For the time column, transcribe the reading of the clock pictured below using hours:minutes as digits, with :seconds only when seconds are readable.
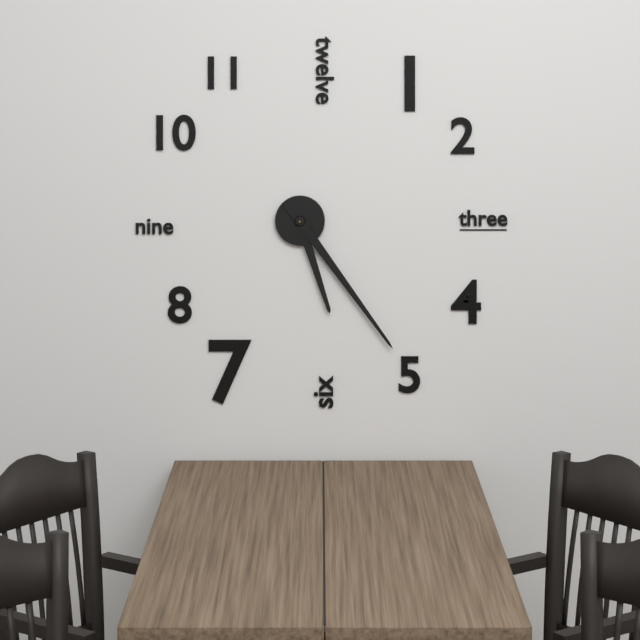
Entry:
5:24
